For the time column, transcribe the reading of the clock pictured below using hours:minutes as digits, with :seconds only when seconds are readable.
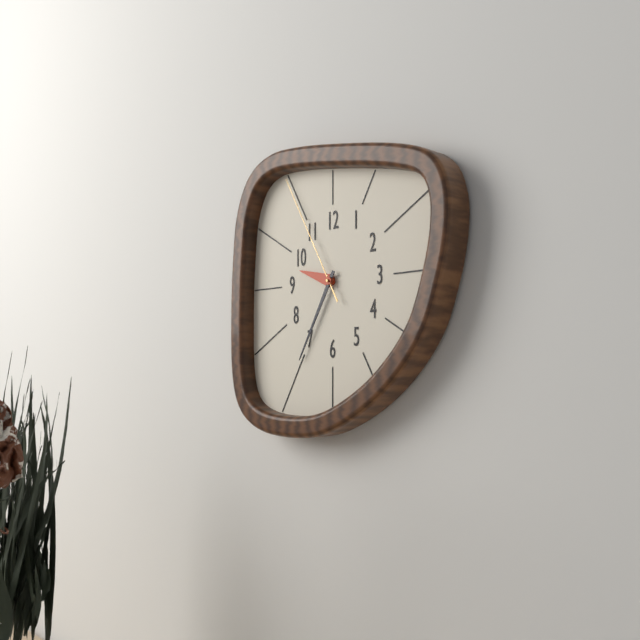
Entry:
9:35:55
